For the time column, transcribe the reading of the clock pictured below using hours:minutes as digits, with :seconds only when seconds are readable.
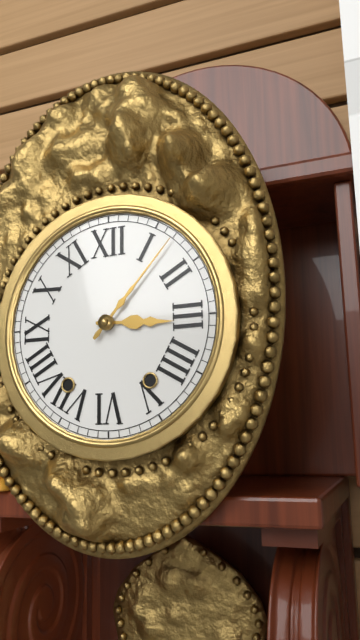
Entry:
3:07
